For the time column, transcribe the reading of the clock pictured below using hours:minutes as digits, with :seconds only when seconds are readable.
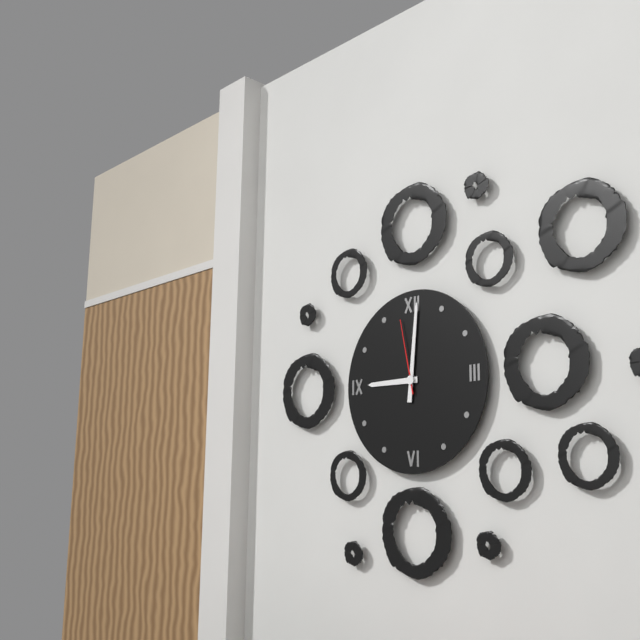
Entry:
9:01:58
